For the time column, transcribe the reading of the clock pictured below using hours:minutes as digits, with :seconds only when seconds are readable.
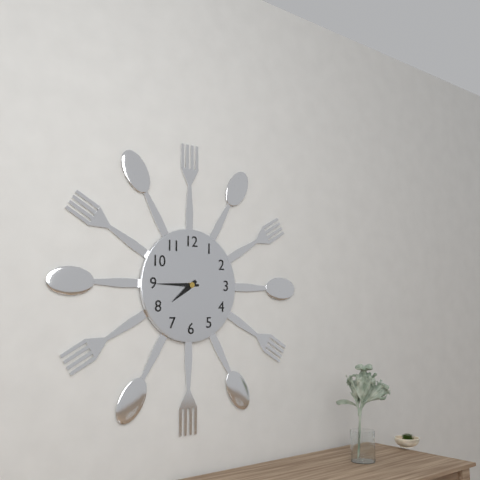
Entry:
7:45
